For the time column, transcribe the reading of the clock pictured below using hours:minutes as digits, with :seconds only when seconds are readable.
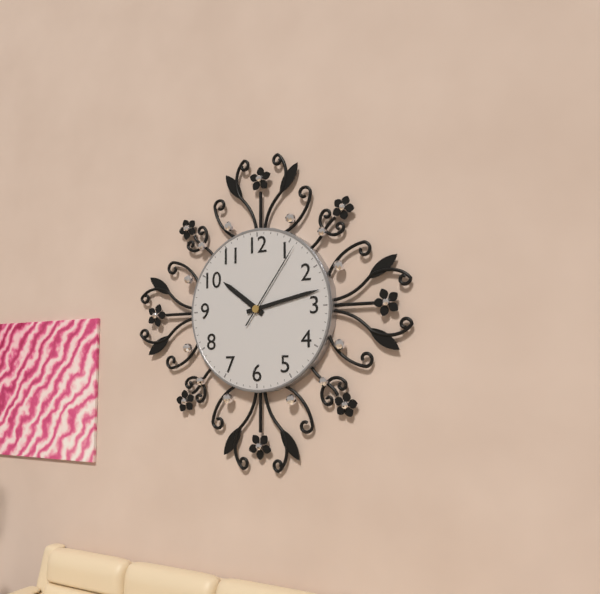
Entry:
10:13:06
